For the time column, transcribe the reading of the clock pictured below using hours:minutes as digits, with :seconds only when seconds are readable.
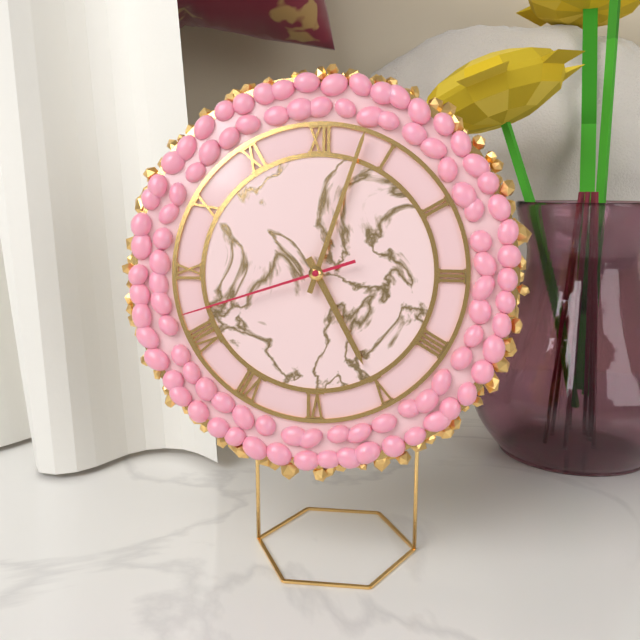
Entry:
5:03:42
